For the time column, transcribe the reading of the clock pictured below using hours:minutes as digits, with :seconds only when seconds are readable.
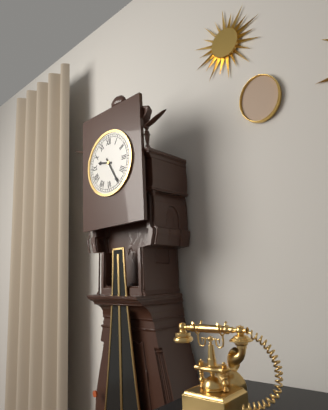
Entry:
9:25
